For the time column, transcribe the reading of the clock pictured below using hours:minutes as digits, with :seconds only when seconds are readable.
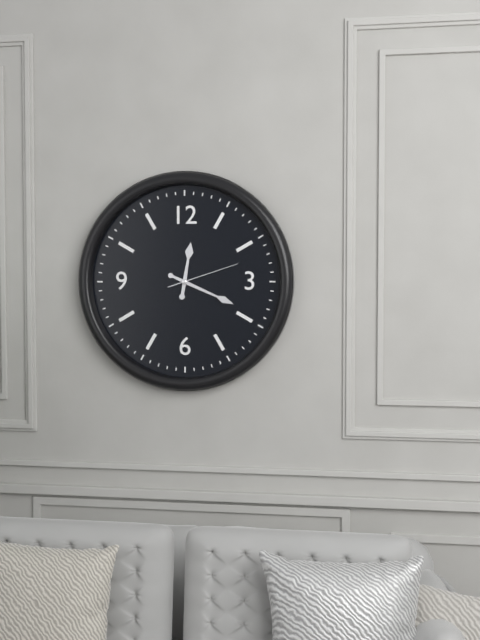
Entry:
12:19:12
